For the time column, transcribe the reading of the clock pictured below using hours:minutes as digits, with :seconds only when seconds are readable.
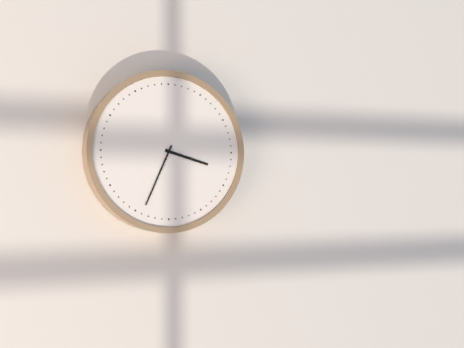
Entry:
3:34
